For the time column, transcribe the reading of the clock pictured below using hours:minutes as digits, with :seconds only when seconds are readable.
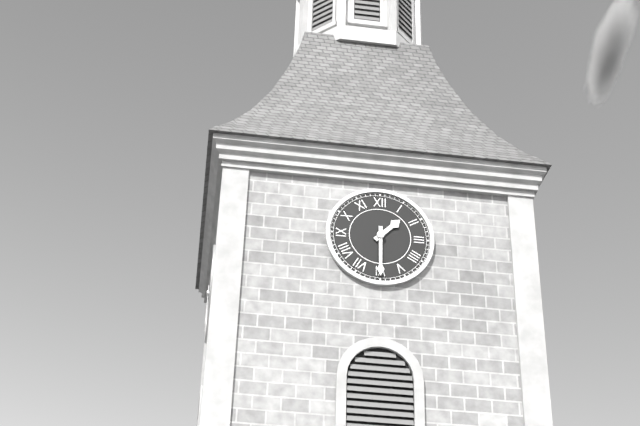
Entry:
1:30
